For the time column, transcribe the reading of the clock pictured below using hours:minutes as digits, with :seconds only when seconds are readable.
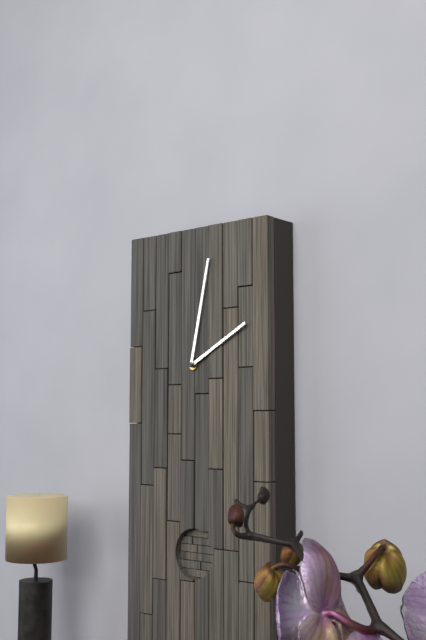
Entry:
2:02
